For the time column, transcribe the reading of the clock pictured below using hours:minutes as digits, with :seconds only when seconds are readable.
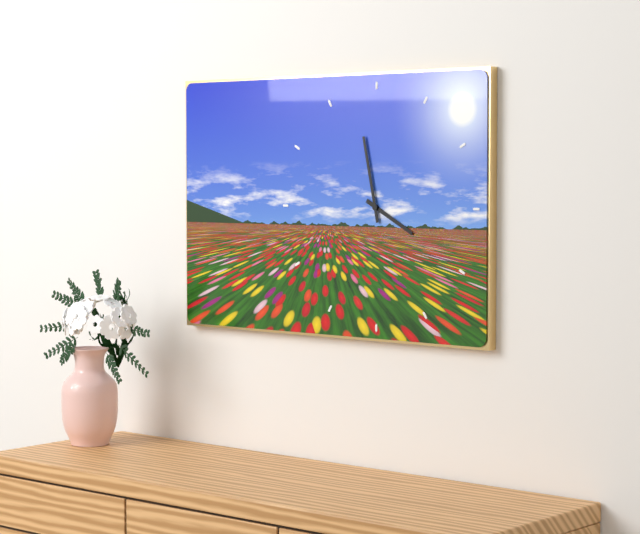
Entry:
3:58
